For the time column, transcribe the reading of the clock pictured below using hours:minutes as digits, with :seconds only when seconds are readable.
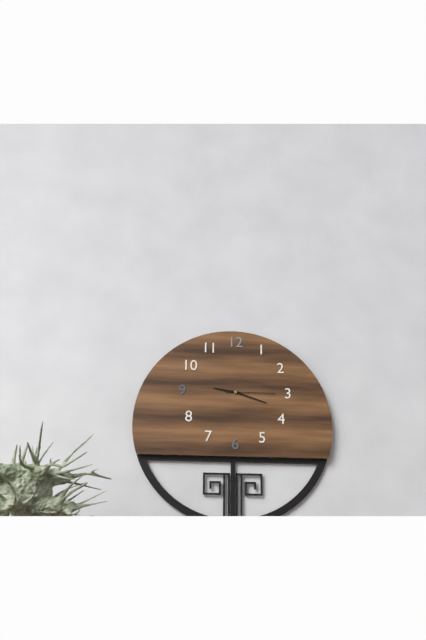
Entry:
9:18:15
